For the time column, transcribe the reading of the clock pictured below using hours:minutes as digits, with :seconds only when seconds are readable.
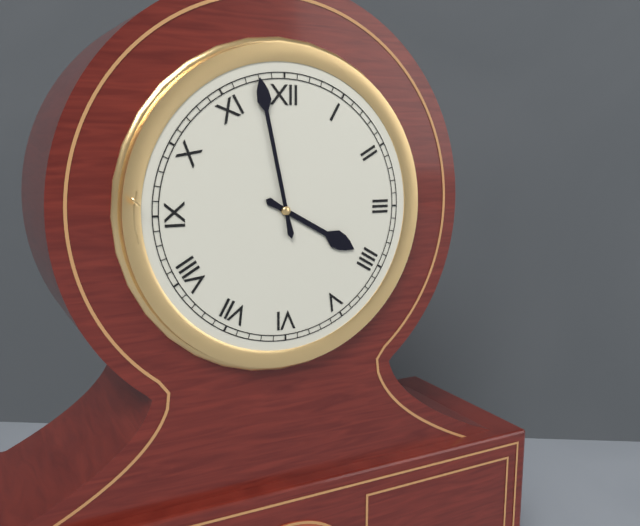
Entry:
3:58
